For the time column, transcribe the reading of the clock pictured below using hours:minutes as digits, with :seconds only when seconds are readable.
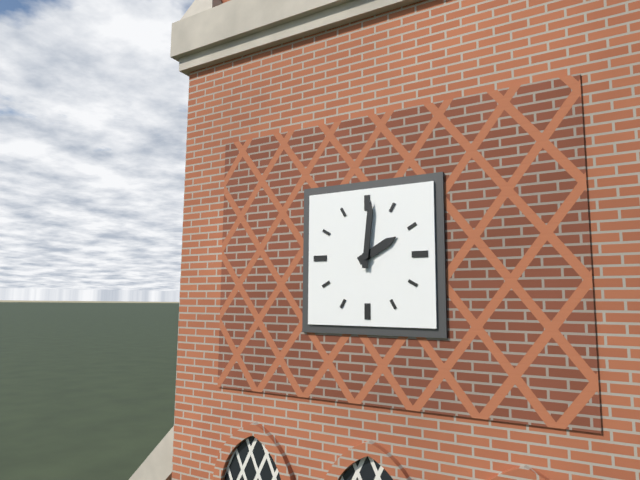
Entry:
2:01
